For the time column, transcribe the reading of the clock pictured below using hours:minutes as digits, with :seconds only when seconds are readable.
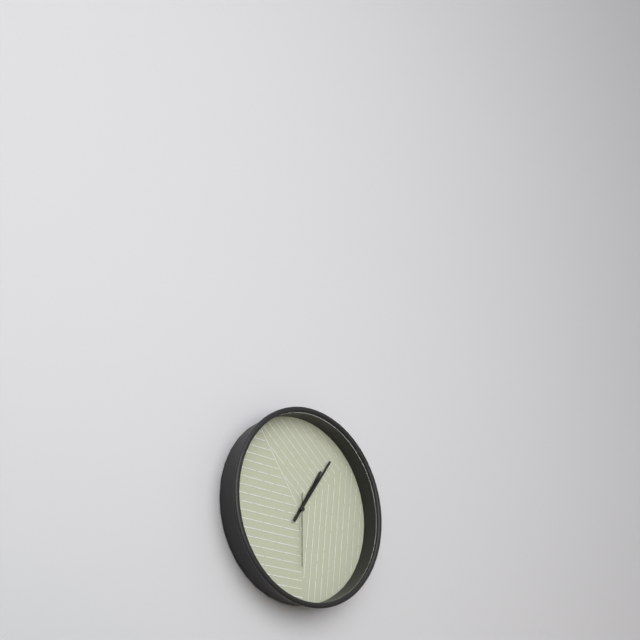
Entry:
1:06:30
